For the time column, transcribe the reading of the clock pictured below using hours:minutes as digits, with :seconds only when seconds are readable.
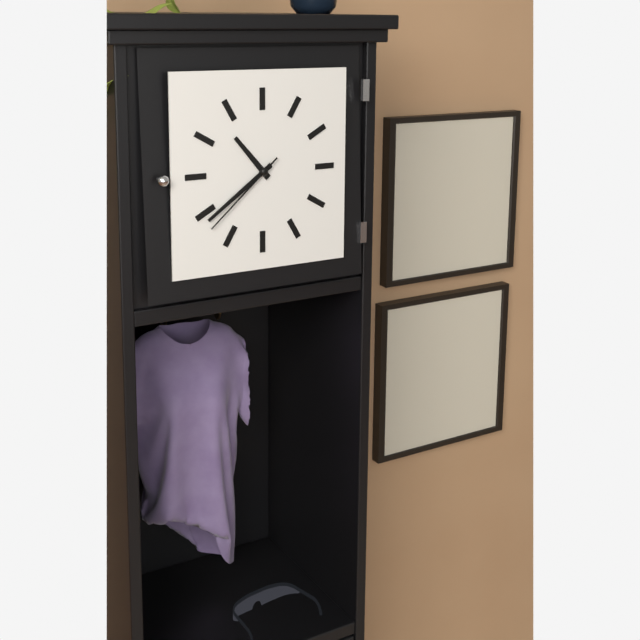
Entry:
10:39:38
